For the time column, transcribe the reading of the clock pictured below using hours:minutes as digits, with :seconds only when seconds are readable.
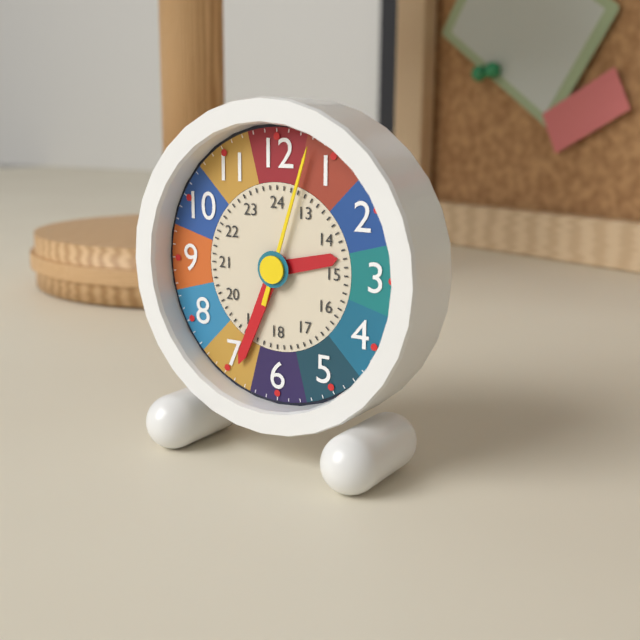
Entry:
2:34:03
